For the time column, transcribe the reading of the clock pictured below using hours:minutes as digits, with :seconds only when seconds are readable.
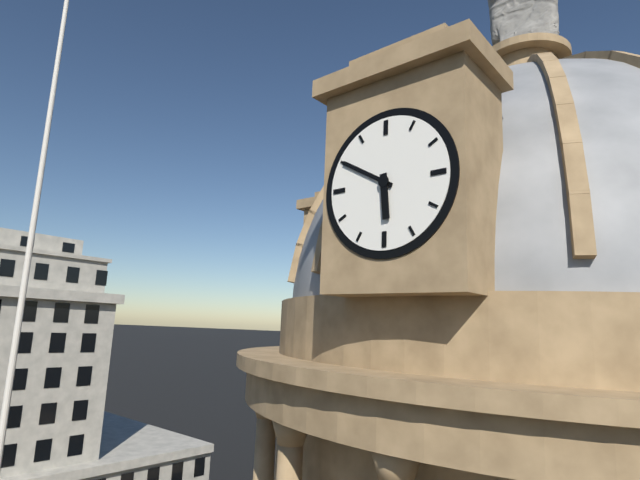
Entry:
5:50
